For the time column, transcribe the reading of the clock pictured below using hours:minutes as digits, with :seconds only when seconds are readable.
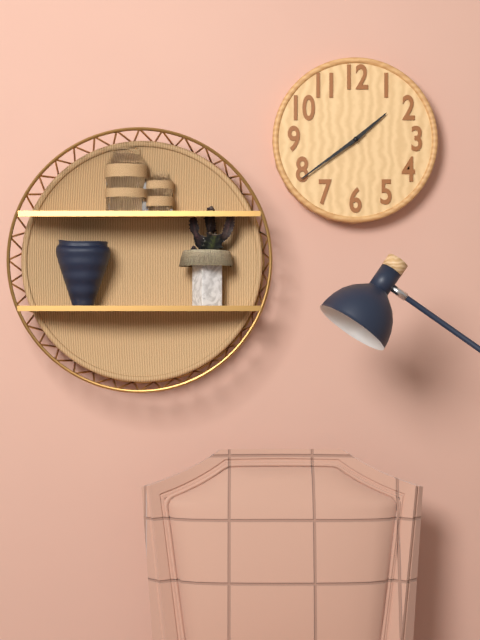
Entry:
1:39
